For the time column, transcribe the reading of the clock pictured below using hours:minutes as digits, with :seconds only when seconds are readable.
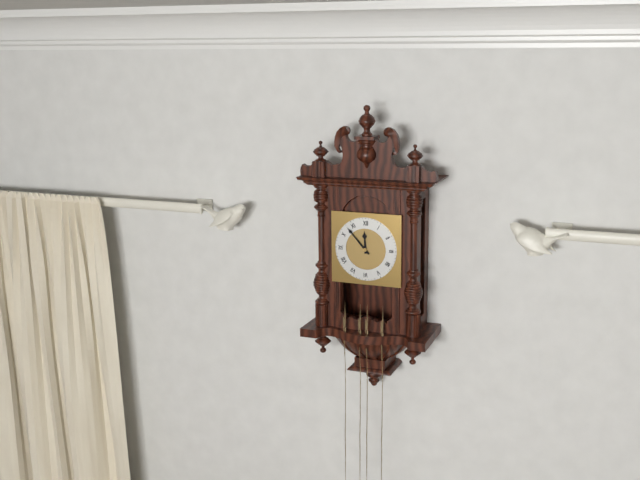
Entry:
11:53
